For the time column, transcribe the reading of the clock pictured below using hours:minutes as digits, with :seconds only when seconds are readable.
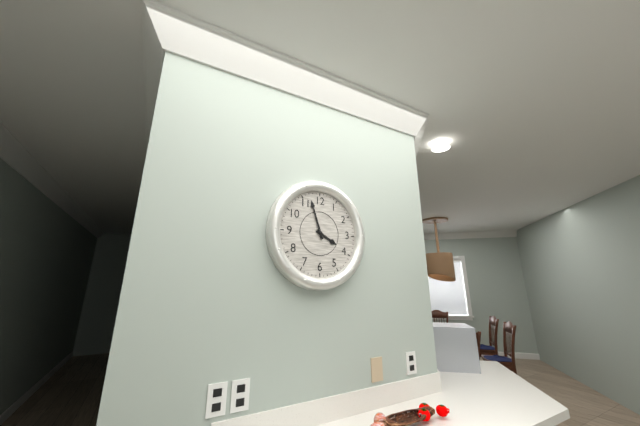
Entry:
3:57
